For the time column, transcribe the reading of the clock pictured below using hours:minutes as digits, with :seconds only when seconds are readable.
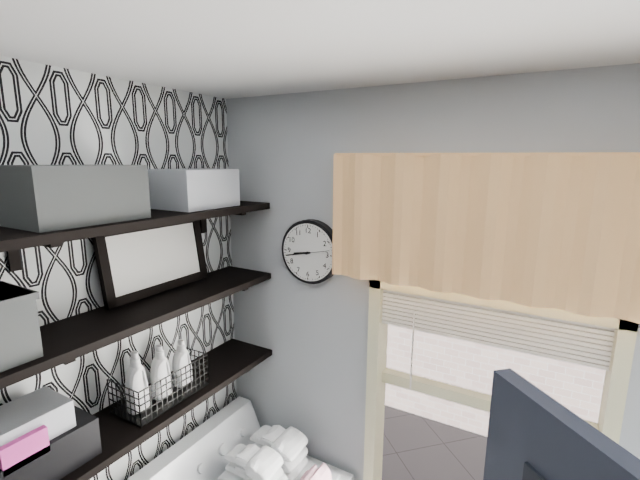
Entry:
8:43
